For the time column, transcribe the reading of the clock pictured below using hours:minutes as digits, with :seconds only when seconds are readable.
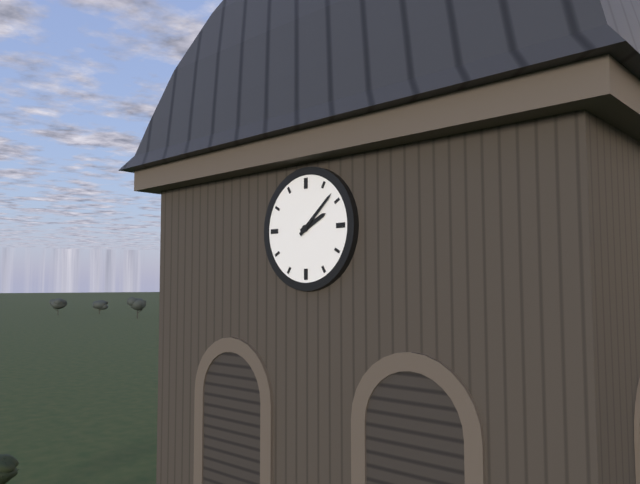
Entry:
2:08
